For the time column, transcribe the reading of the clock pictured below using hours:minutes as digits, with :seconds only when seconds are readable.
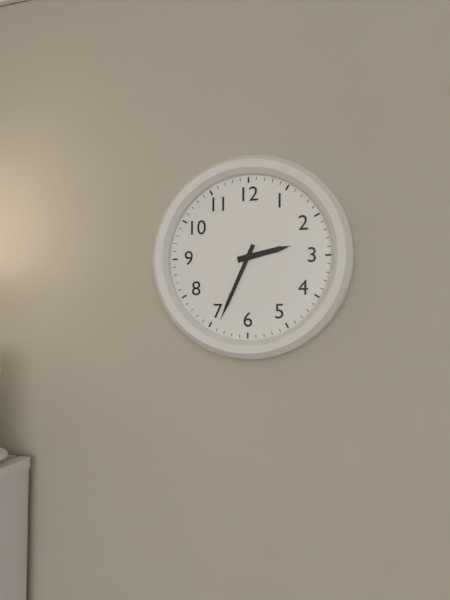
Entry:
2:34
